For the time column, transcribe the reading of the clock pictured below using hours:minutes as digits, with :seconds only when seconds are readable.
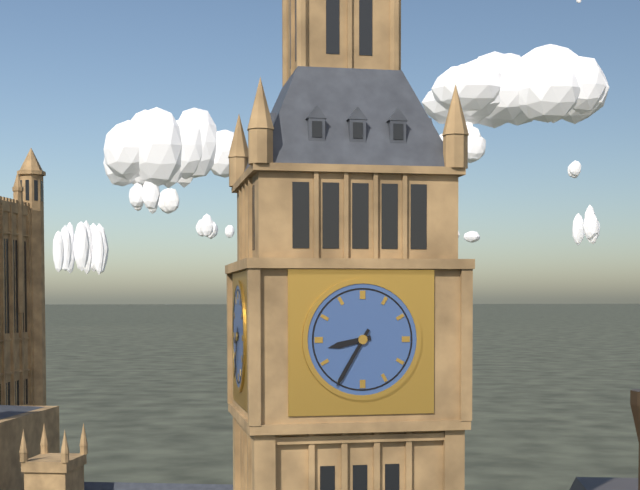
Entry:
8:35
